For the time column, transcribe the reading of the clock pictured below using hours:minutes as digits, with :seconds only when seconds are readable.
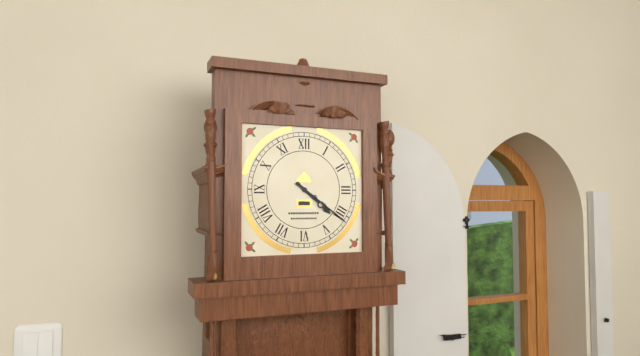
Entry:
4:21
